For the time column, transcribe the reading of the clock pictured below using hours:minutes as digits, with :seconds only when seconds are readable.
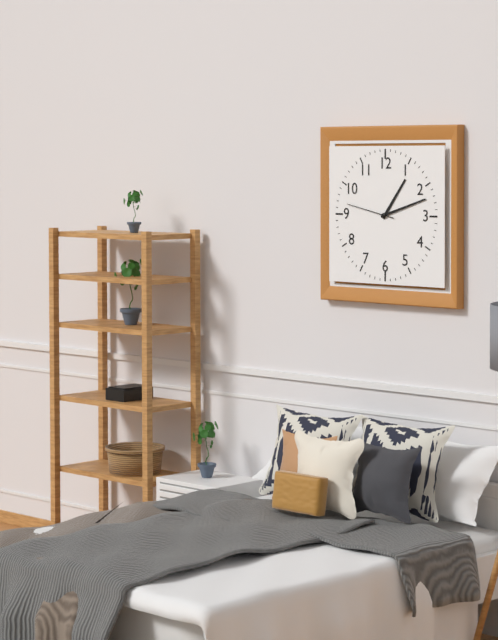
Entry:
1:12:47
